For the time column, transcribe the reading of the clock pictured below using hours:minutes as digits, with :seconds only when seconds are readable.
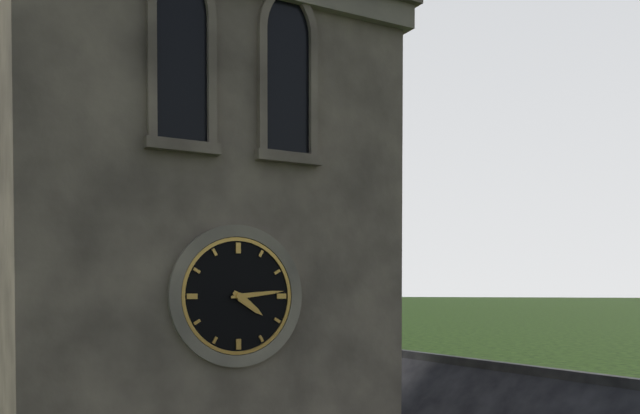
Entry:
4:14
